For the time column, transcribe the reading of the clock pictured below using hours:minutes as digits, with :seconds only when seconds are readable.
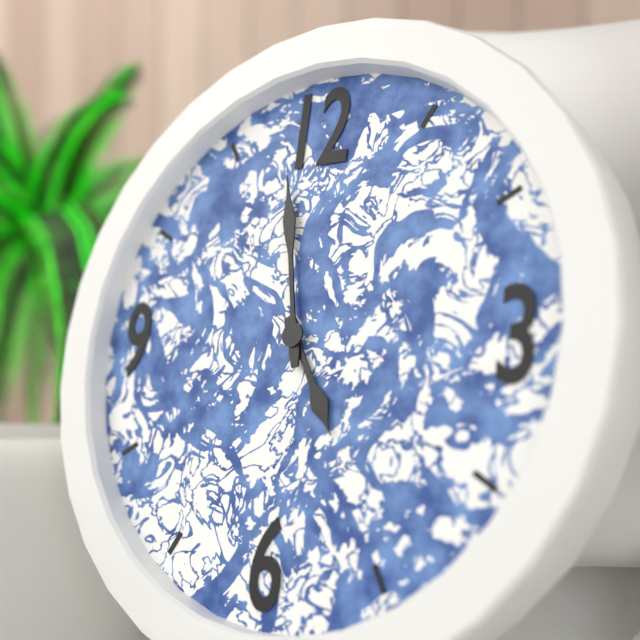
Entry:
4:58
